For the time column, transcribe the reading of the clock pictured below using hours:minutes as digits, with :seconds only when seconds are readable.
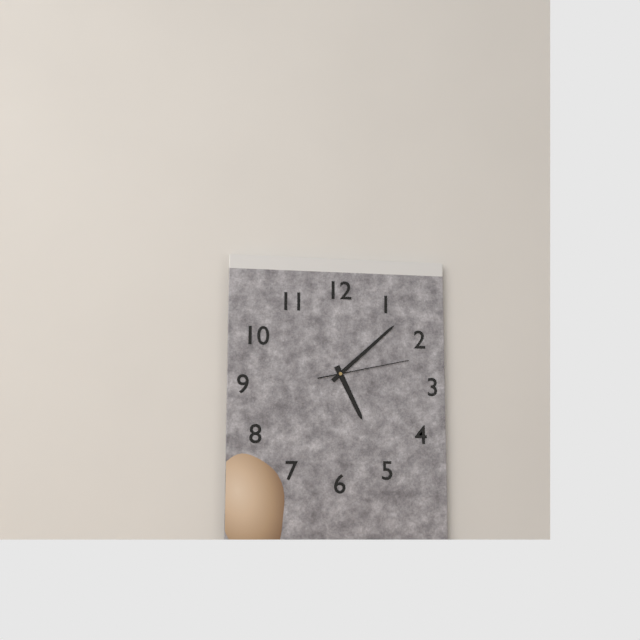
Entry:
5:08:13
